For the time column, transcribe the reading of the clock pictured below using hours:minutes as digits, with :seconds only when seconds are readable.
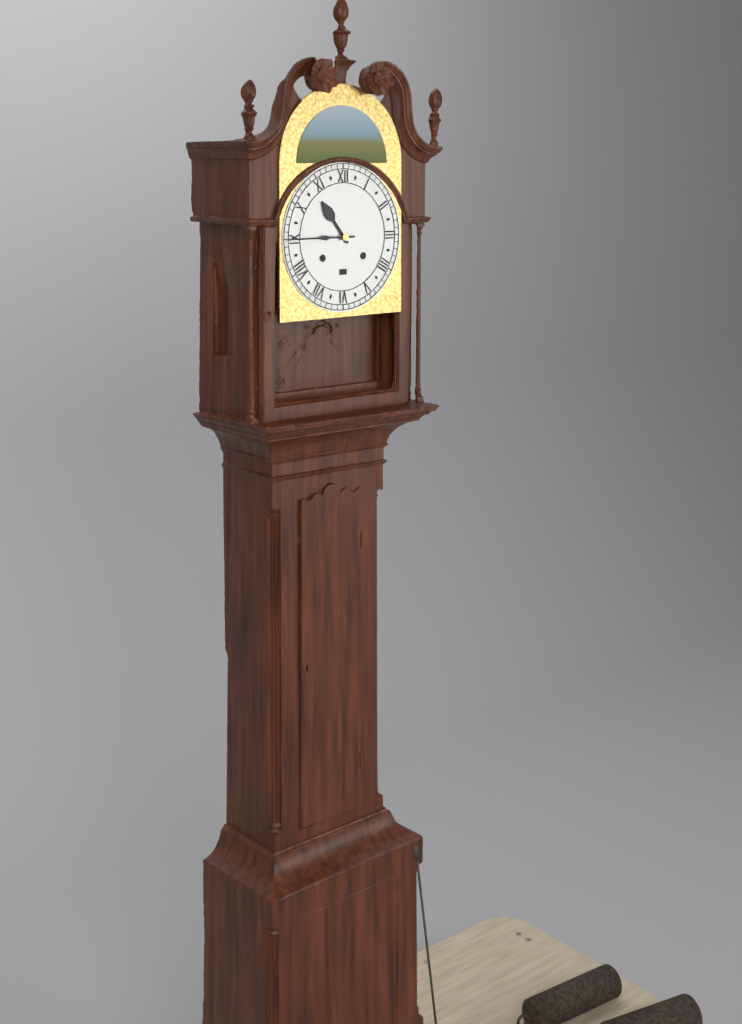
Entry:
10:45
